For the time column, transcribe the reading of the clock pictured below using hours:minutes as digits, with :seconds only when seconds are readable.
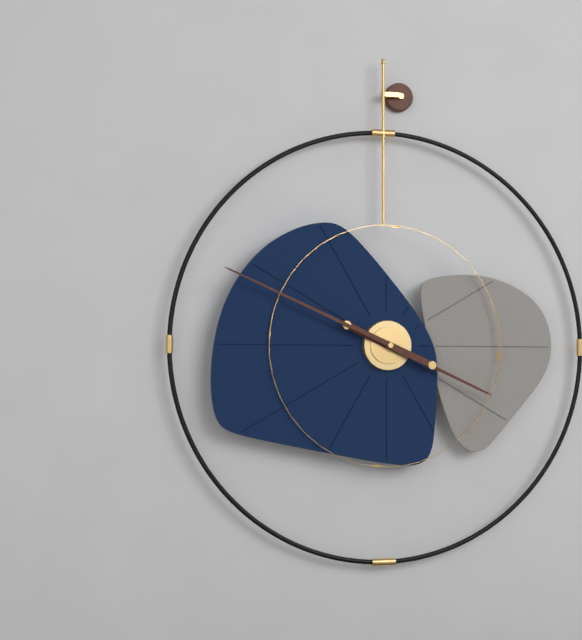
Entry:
3:49
